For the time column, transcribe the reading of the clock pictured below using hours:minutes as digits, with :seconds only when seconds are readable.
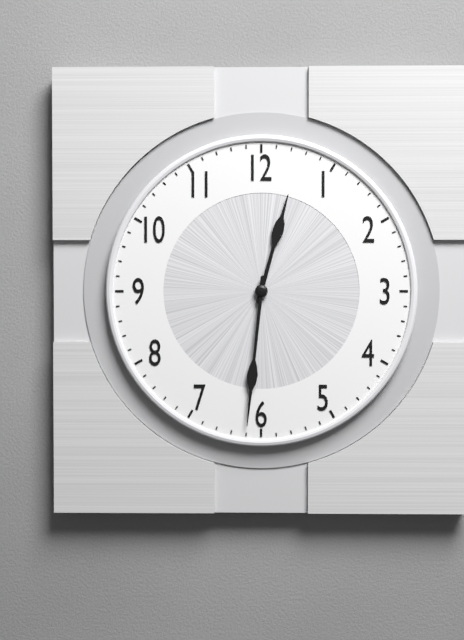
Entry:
12:31
